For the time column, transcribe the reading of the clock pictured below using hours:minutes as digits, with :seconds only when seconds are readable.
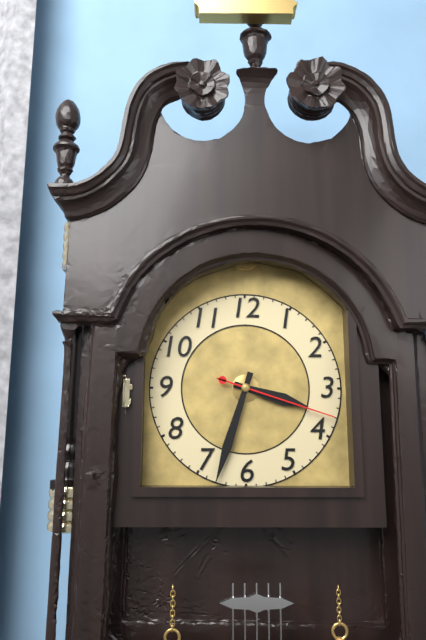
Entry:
3:33:18
